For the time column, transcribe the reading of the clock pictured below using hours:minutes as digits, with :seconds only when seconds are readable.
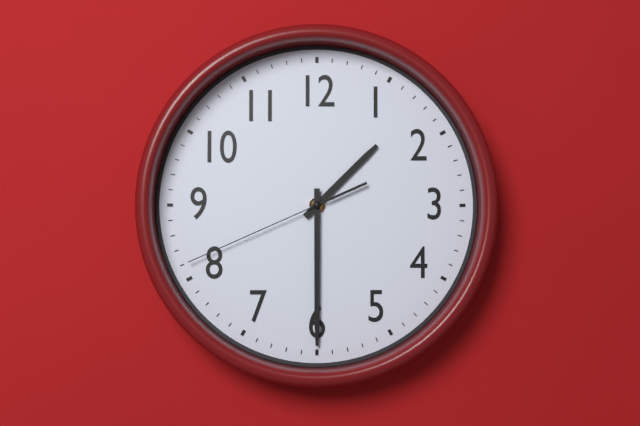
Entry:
1:30:41
